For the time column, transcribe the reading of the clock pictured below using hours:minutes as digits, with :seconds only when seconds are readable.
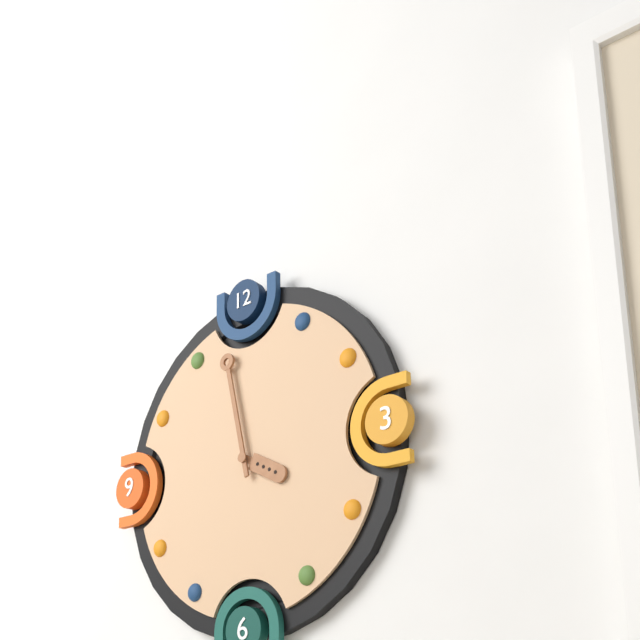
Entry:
3:58
